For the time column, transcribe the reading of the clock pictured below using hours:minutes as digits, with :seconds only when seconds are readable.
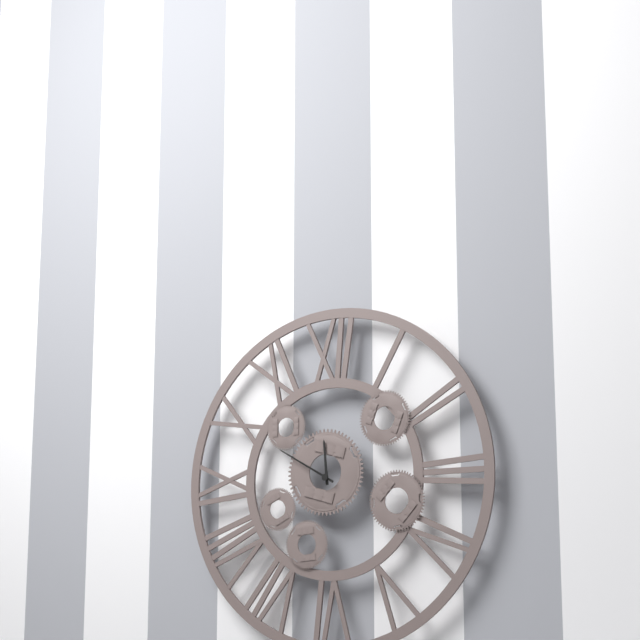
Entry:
11:50
